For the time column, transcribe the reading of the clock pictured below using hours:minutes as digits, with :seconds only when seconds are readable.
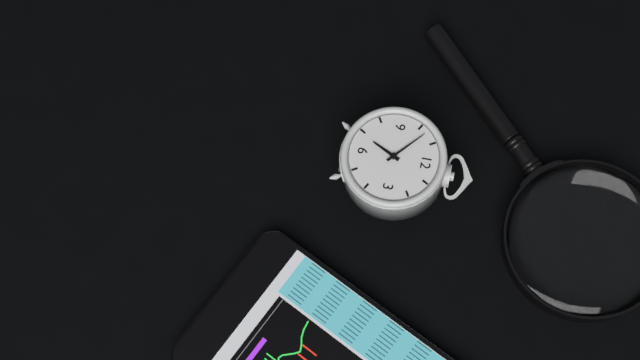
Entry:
6:52
